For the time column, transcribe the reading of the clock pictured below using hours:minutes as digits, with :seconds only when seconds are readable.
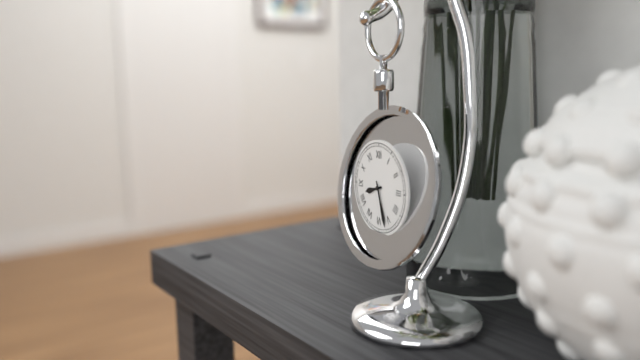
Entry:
8:27
